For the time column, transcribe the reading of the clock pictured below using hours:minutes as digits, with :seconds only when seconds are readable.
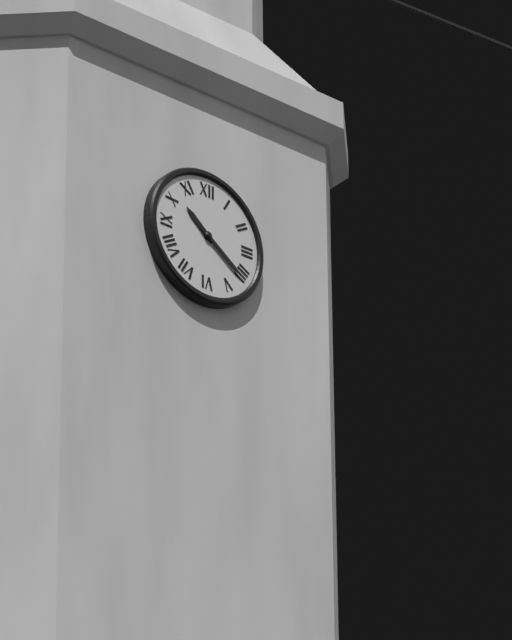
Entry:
10:21
